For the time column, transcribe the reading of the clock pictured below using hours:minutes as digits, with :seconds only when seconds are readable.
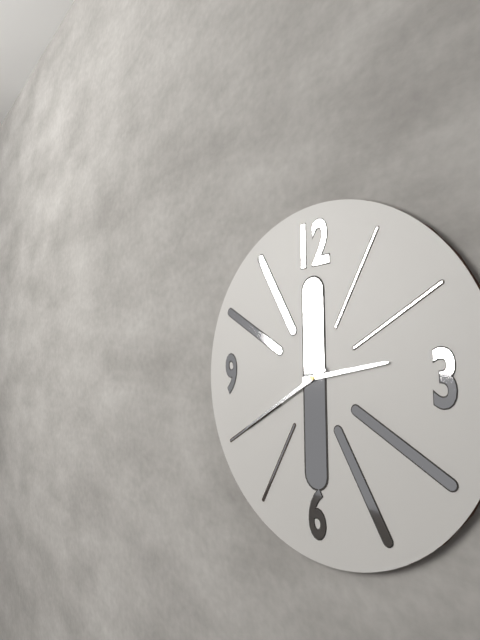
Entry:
2:40
